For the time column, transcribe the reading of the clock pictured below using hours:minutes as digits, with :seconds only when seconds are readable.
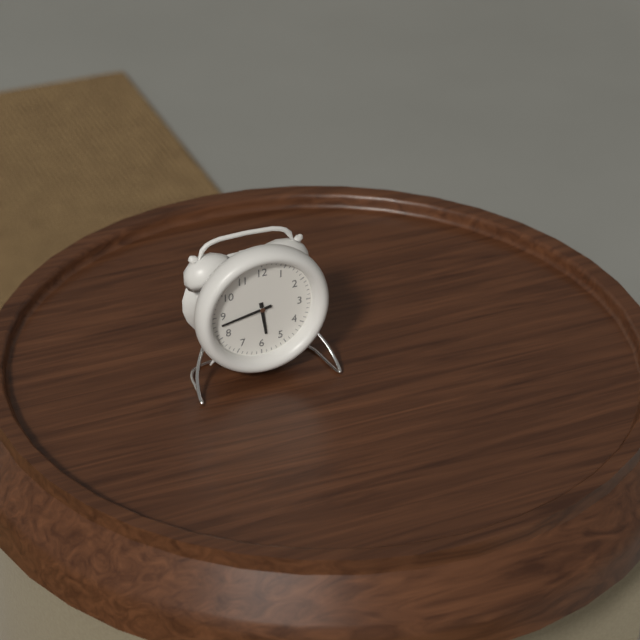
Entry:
5:43
